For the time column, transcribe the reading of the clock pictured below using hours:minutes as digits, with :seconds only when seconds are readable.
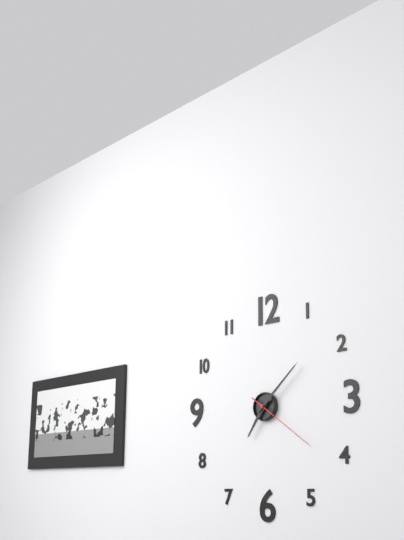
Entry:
7:08:21
